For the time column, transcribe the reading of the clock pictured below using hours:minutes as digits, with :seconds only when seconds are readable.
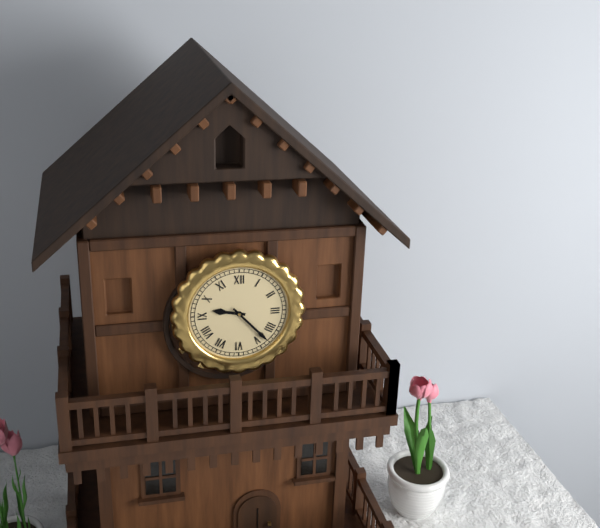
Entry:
9:23
